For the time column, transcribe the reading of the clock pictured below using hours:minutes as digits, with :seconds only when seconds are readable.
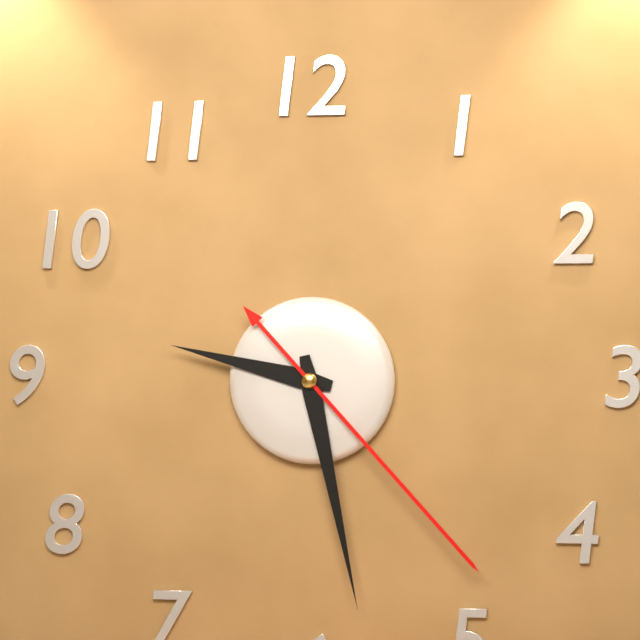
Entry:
9:28:23
